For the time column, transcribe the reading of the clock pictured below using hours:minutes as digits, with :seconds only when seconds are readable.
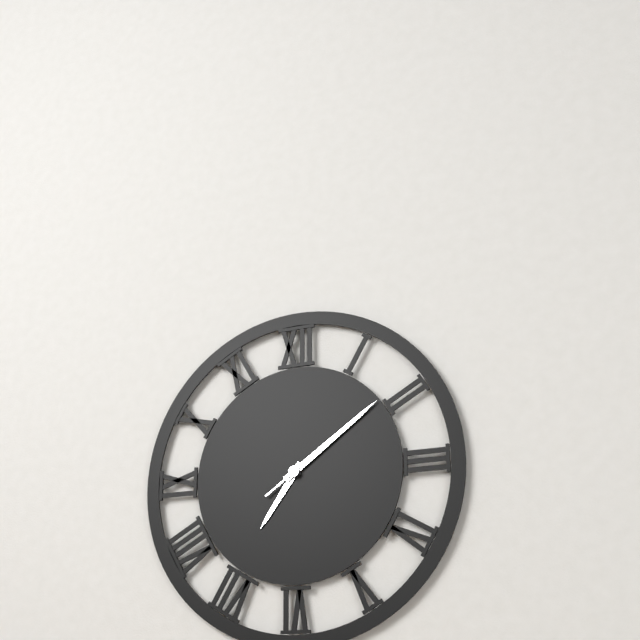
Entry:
7:09:09
